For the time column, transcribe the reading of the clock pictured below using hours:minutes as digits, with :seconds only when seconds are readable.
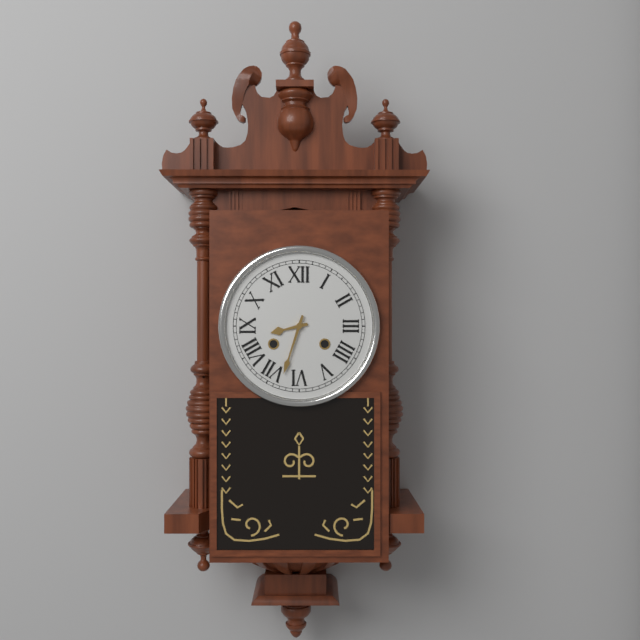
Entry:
8:33
